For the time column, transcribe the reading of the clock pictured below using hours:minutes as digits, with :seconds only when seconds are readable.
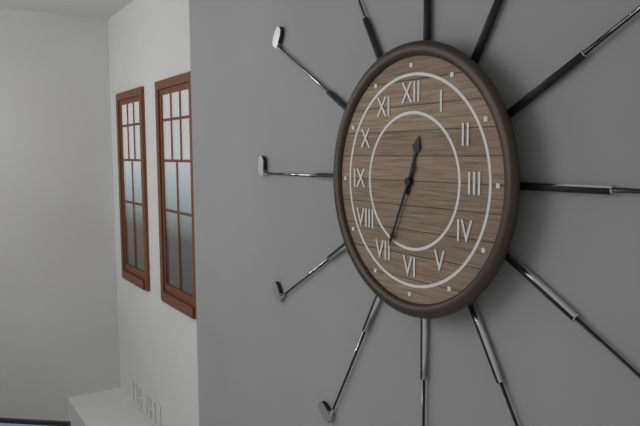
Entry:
12:34
